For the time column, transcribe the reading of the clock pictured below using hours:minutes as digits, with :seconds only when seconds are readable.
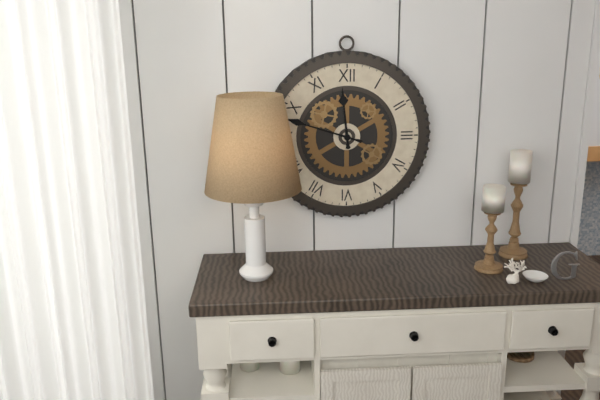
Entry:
11:48
